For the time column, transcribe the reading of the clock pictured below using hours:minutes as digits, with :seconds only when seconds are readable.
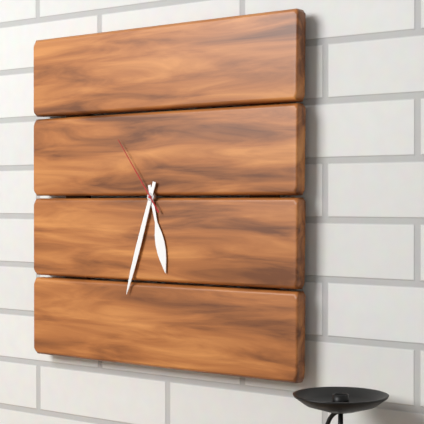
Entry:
5:33:54
